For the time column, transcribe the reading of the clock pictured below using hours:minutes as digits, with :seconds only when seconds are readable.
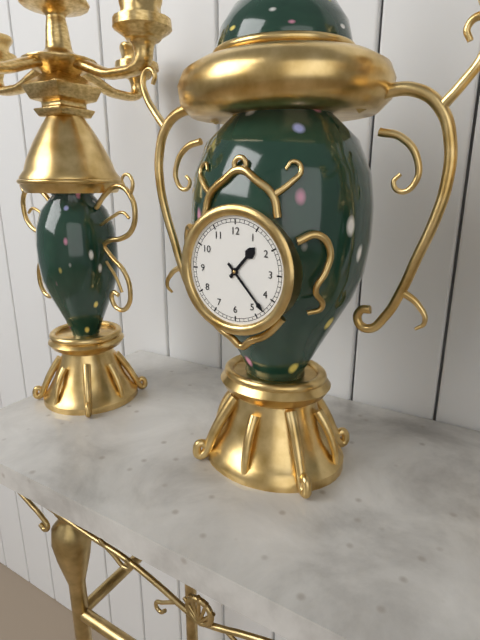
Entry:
1:23
